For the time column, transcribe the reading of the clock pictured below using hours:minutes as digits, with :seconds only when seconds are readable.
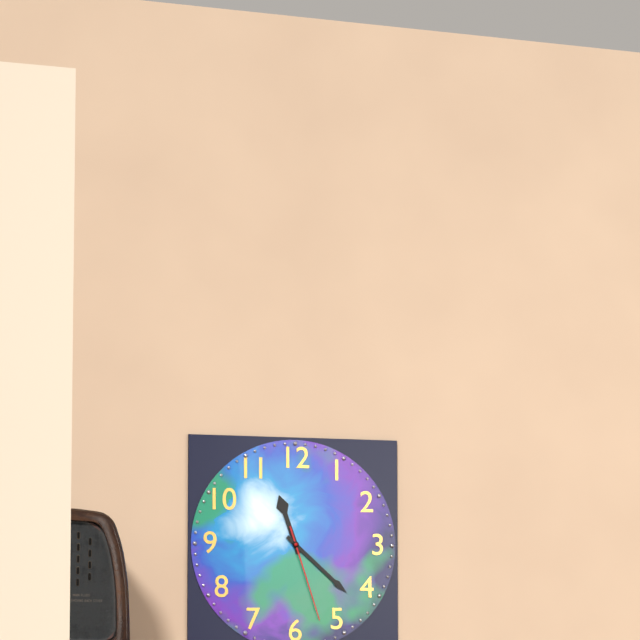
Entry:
11:22:27
